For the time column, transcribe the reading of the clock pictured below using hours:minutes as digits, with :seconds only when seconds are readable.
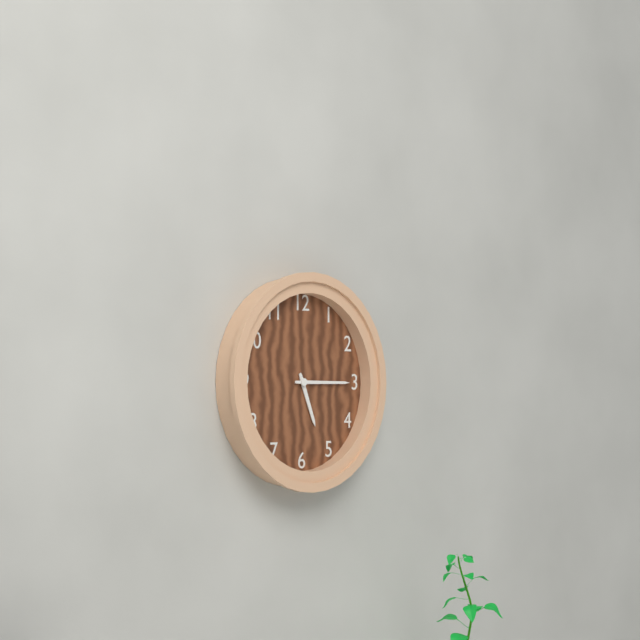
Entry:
5:15
